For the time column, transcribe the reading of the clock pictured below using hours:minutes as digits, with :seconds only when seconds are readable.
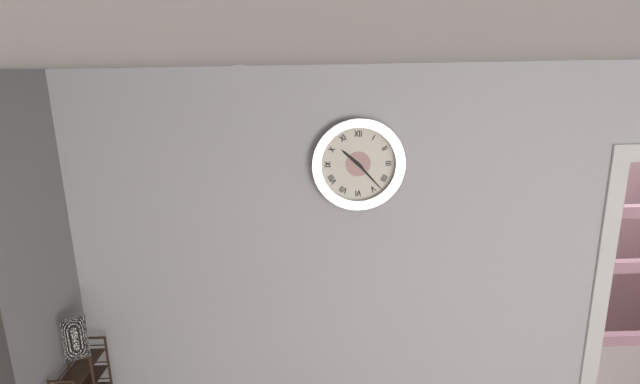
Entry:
10:23
